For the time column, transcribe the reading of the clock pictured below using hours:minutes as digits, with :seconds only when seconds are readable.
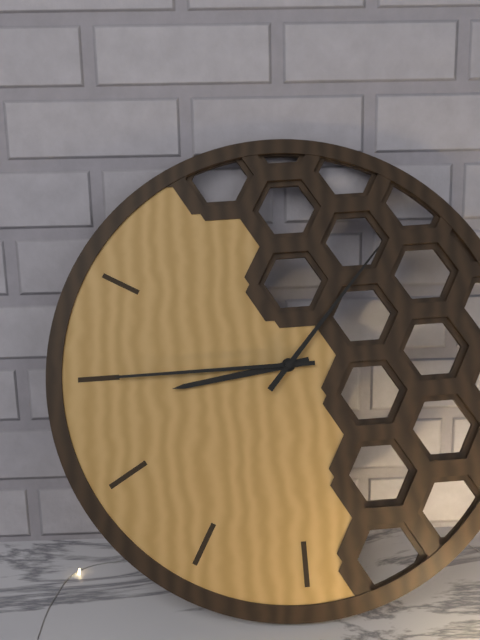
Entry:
8:45:07
